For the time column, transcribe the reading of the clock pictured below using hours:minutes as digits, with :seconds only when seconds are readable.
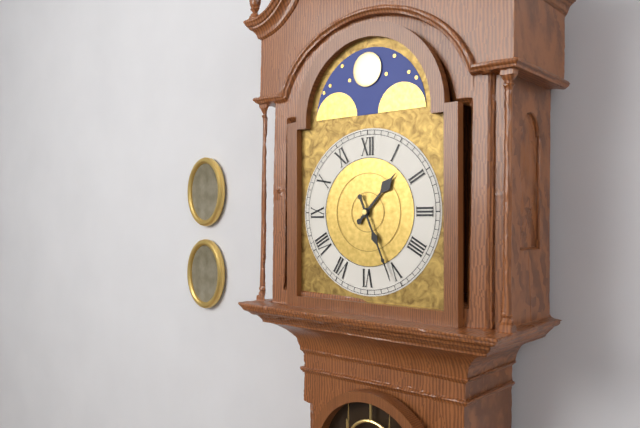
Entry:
1:26
